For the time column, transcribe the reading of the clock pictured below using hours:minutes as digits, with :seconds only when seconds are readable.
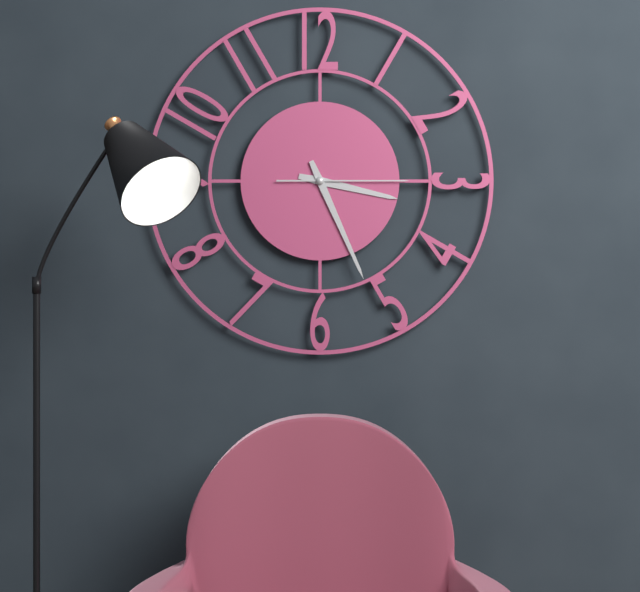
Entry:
3:26:15
